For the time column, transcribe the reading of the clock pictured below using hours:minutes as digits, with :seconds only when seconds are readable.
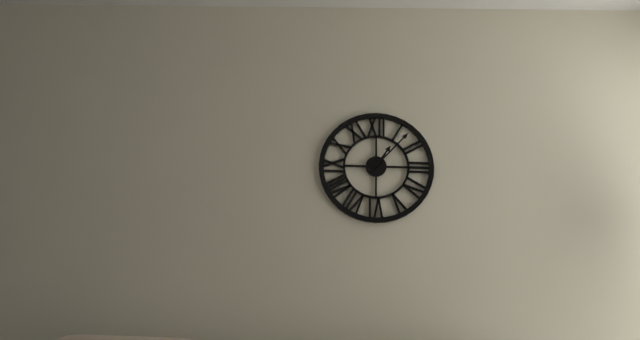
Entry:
1:07
